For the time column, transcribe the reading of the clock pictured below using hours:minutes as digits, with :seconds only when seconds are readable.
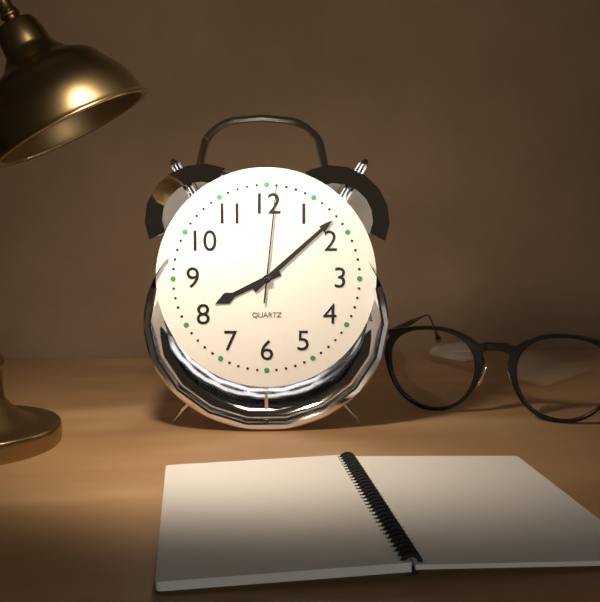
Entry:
8:08:01
